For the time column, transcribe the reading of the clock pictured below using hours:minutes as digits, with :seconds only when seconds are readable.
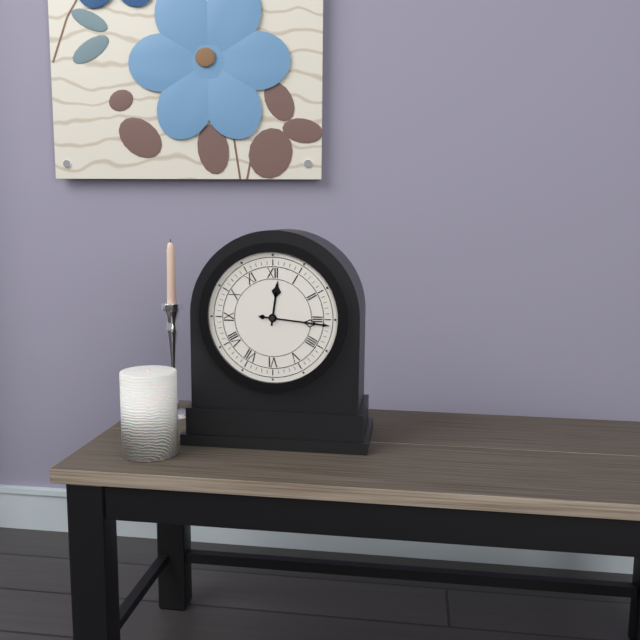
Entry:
12:16
